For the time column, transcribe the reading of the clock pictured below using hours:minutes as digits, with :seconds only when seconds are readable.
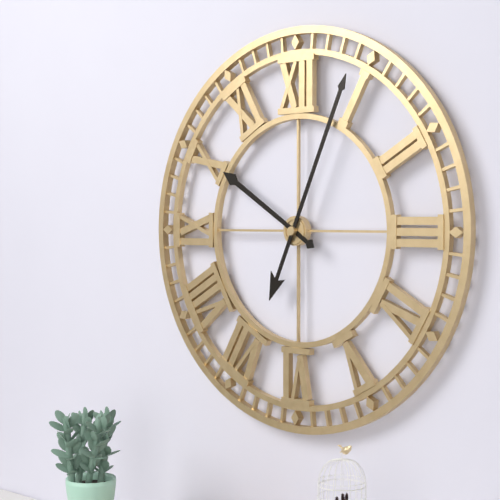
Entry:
10:04
